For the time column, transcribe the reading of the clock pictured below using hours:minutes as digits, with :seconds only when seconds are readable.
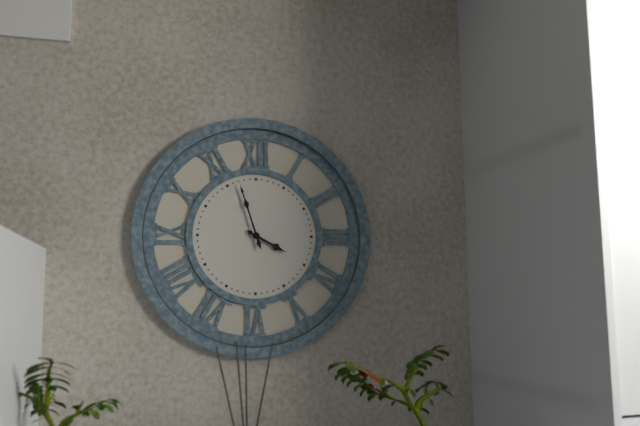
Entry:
3:57
